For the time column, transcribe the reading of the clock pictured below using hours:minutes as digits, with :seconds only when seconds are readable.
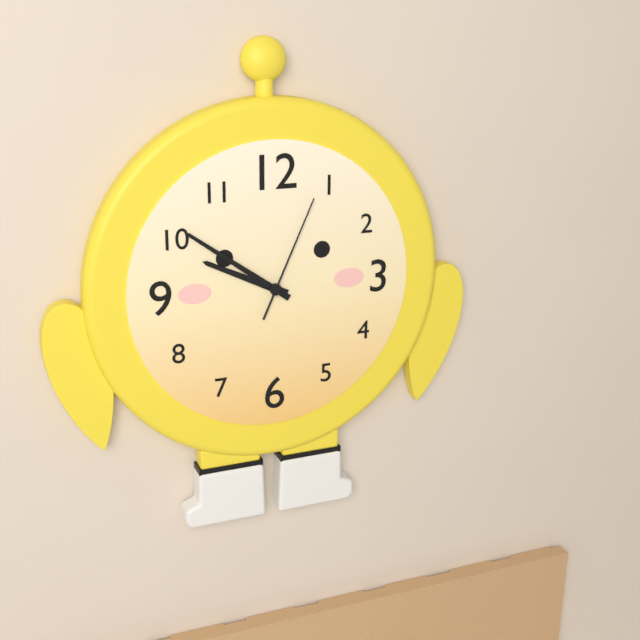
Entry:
9:51:04
